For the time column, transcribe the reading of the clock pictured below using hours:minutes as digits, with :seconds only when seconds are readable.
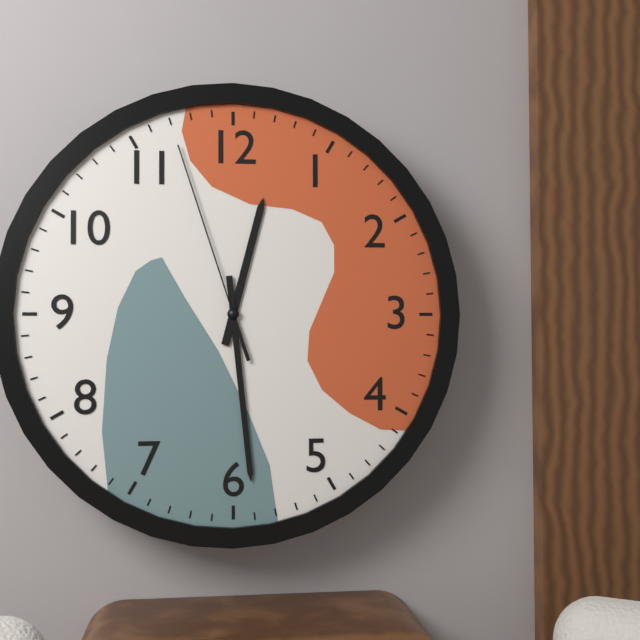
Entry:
12:29:57
